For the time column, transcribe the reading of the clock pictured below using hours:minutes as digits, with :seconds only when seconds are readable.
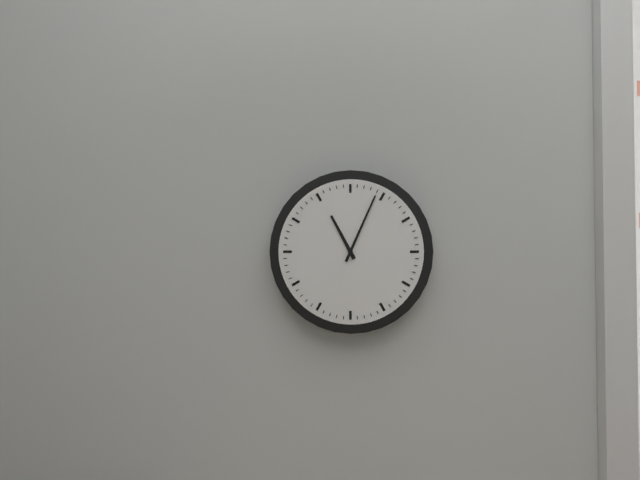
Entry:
11:04
